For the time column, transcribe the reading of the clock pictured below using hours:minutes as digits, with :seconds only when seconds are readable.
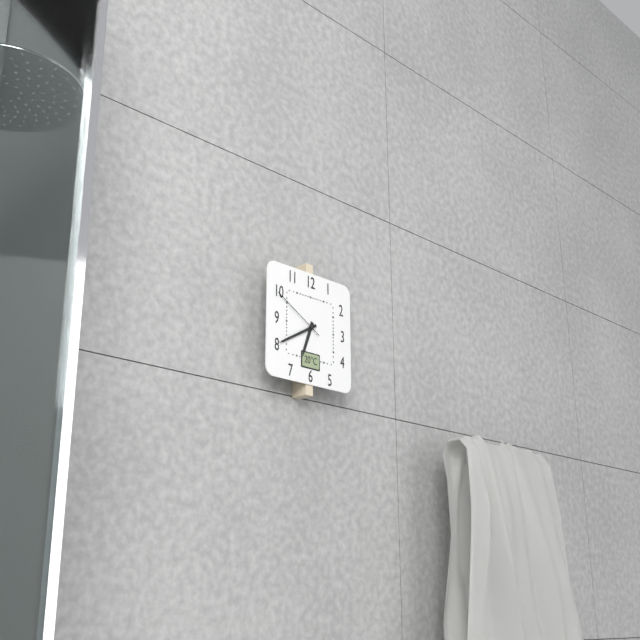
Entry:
6:40:50
